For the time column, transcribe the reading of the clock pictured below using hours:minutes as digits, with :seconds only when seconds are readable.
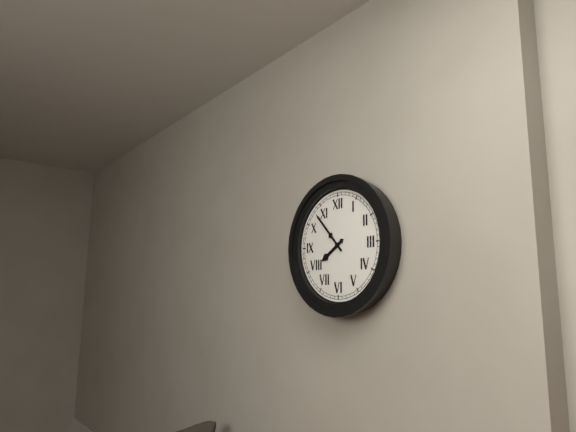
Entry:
7:53
